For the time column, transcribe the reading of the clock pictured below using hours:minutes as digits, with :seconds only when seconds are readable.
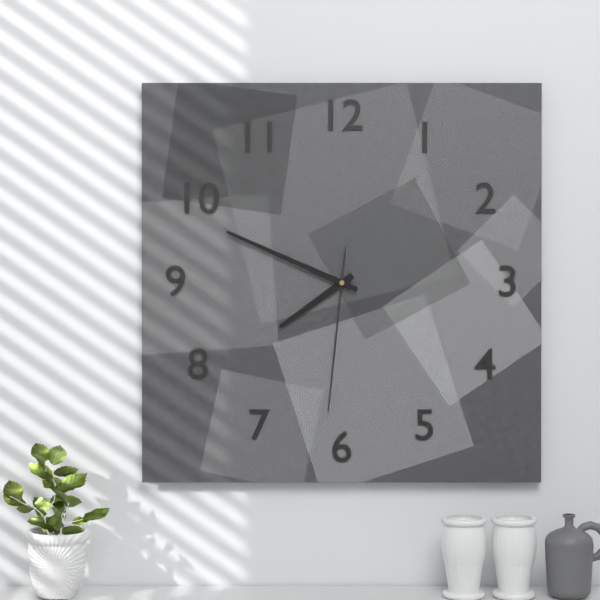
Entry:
7:49:31
